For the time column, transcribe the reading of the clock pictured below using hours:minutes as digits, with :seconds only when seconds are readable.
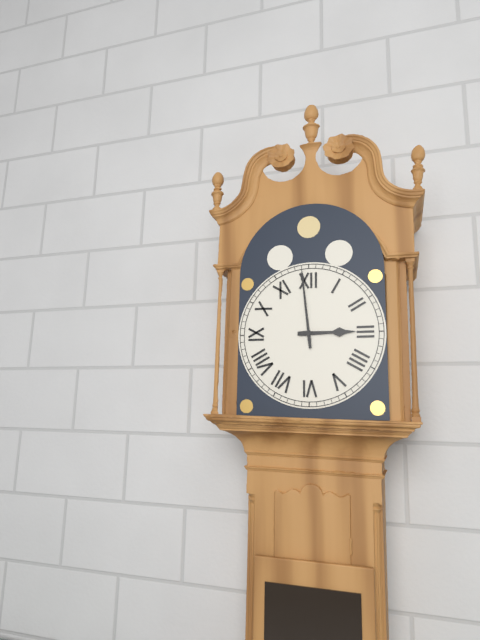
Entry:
2:59
